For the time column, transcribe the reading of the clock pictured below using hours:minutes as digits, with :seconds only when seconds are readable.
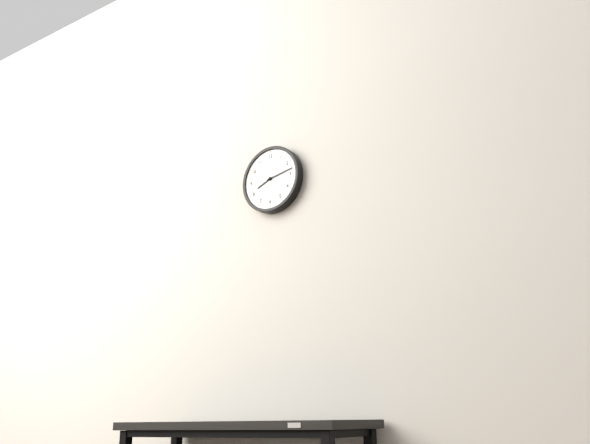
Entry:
8:13
